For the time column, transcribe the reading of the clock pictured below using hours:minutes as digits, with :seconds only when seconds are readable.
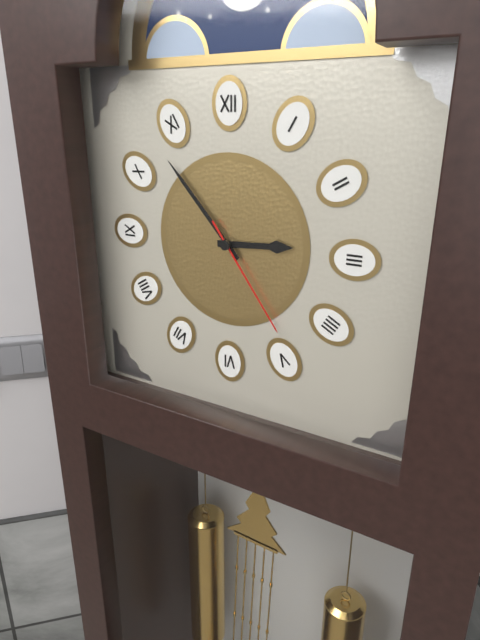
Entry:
2:53:24
